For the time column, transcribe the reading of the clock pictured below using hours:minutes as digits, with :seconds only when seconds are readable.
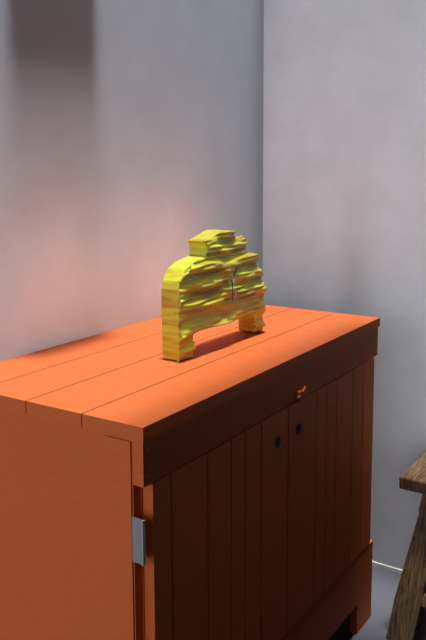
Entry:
1:30
